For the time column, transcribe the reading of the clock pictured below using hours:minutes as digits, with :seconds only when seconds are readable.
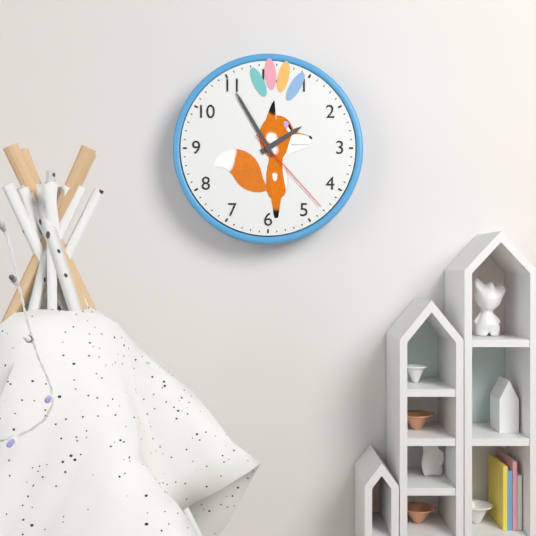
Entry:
1:55:23
